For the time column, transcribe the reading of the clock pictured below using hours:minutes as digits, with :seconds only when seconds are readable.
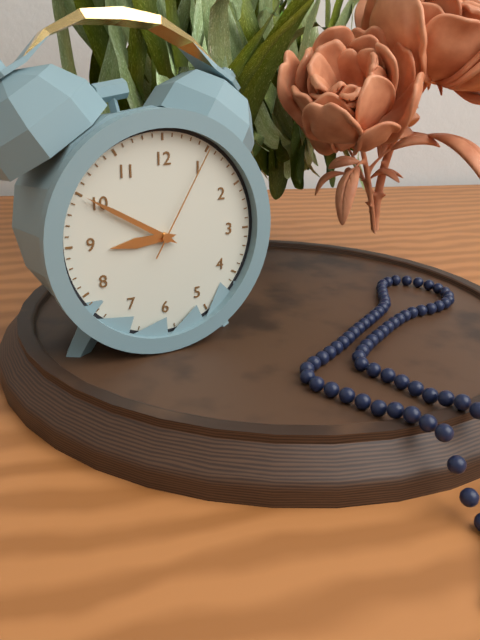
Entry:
8:50:05
